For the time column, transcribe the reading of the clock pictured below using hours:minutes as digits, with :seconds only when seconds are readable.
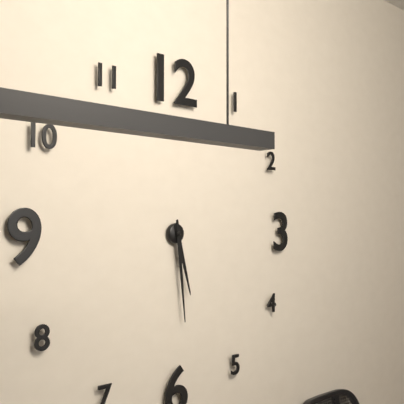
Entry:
5:29
